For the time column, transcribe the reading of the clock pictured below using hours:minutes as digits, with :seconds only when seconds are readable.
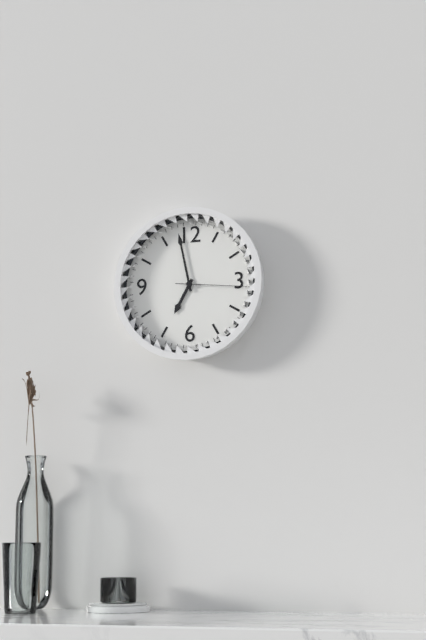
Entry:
6:58:16
